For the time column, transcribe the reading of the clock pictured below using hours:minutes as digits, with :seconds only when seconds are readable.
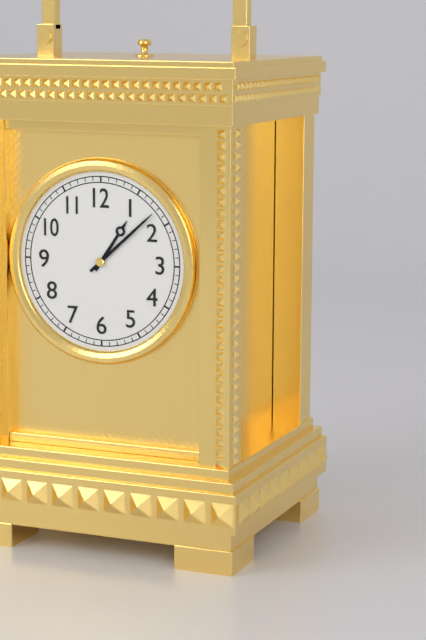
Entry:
1:08
